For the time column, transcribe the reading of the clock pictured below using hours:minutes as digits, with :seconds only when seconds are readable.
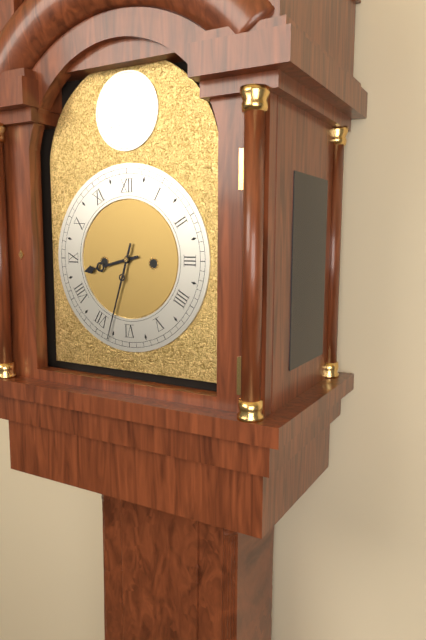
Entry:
8:33
